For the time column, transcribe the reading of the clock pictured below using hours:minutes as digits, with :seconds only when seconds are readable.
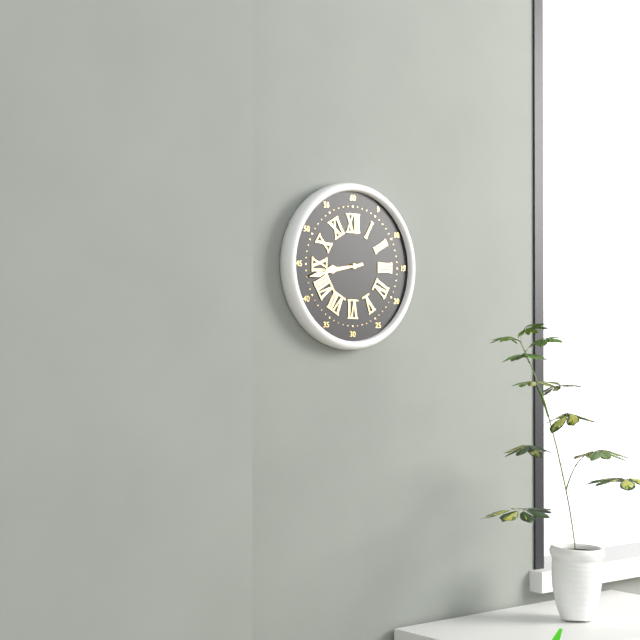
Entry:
8:43
